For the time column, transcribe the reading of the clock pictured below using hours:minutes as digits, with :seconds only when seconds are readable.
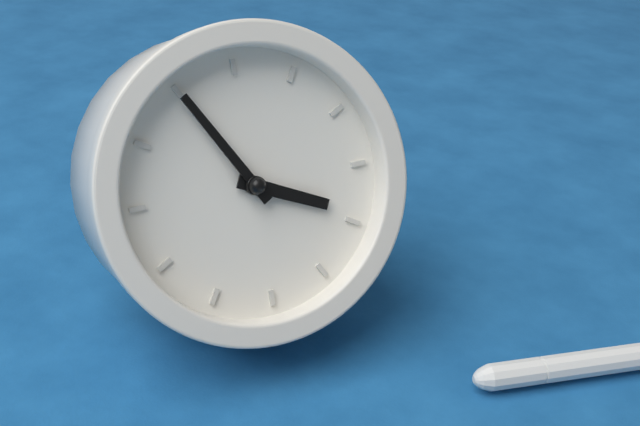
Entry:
2:50
